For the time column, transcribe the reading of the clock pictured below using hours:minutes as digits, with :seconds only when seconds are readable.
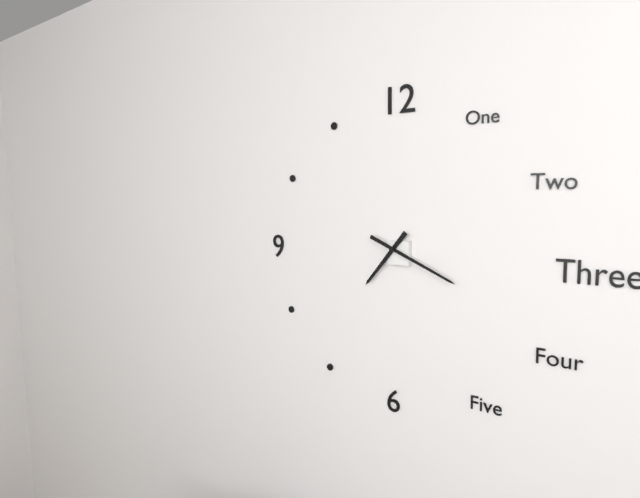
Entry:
7:19
